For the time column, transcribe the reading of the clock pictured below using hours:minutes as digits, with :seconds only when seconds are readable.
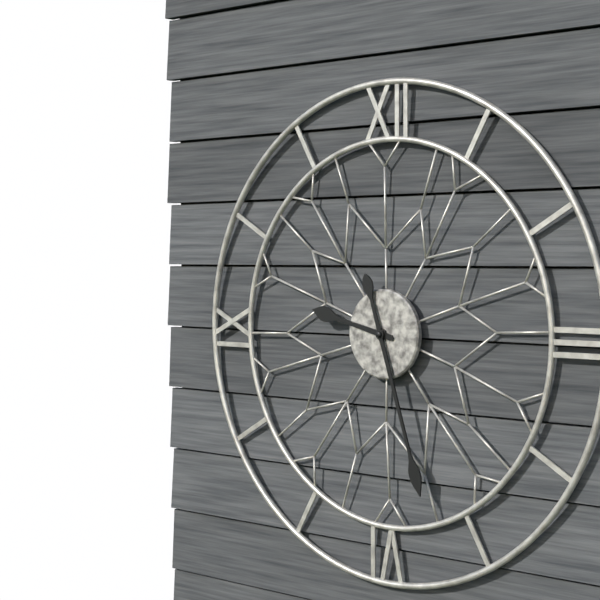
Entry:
9:27
